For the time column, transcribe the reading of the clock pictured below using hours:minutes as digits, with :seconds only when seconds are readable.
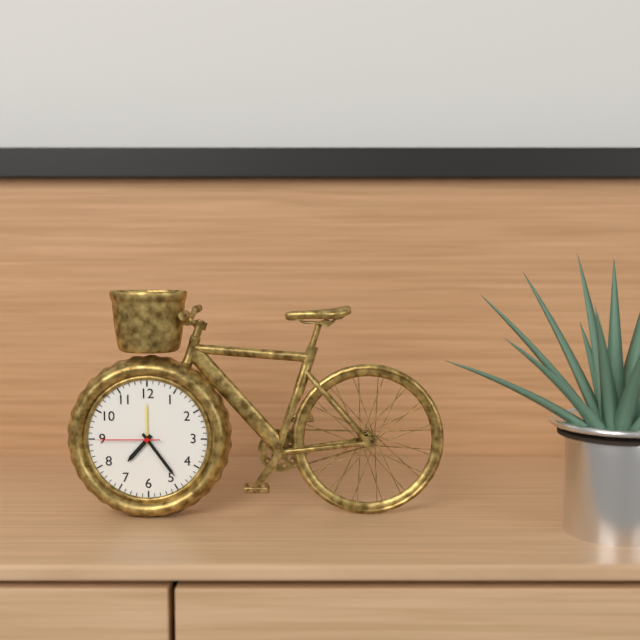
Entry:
7:24:45
